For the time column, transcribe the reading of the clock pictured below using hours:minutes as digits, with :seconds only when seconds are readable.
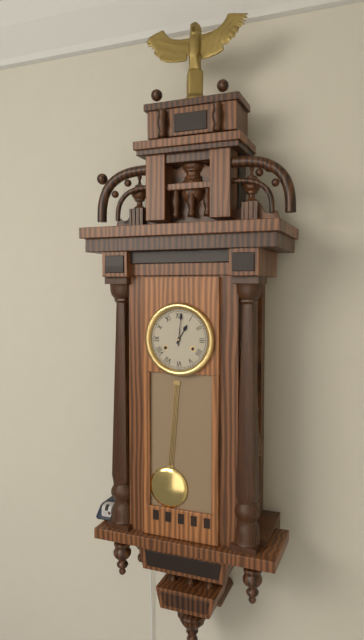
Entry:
1:01
